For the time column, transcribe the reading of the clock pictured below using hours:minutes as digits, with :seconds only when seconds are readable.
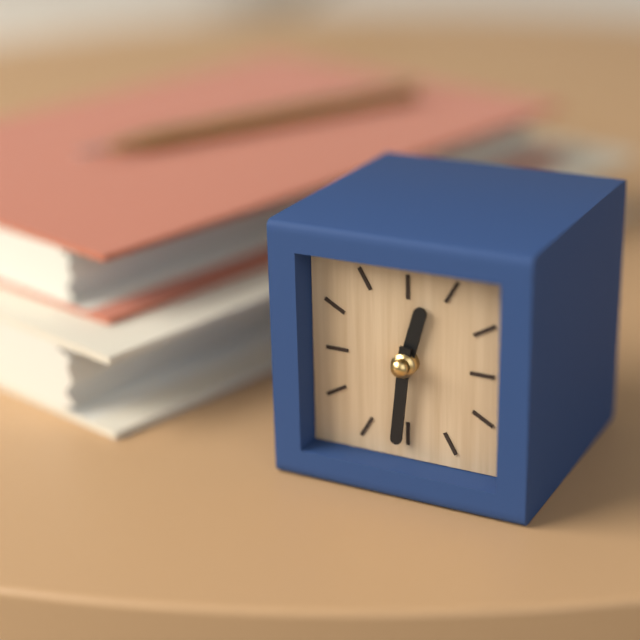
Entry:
12:31
